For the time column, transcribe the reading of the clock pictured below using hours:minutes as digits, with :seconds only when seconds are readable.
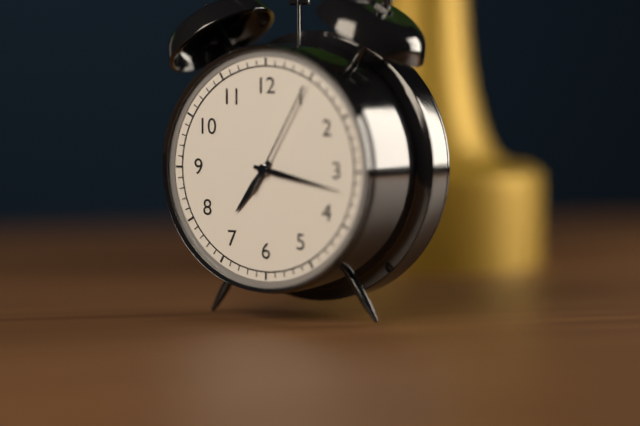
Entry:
7:17:05
